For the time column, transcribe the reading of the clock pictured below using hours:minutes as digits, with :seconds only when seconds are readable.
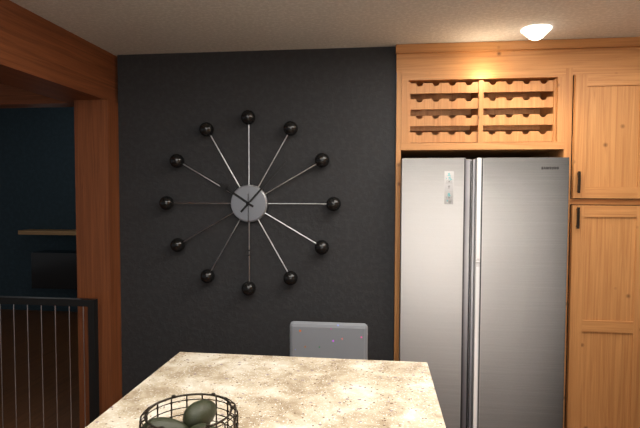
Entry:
10:07:30
